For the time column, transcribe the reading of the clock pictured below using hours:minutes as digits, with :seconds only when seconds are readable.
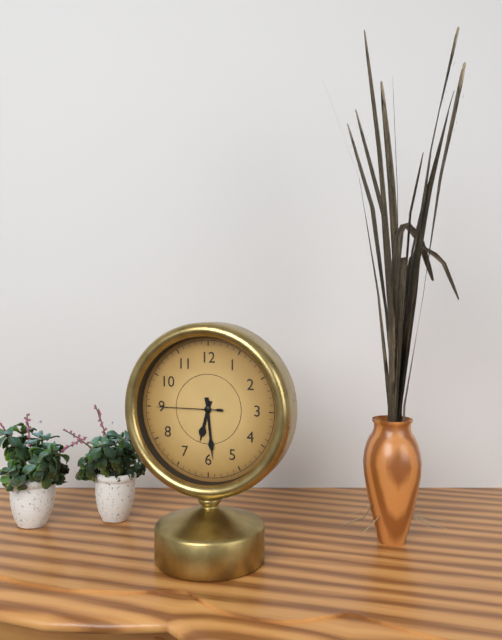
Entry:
6:29:45
